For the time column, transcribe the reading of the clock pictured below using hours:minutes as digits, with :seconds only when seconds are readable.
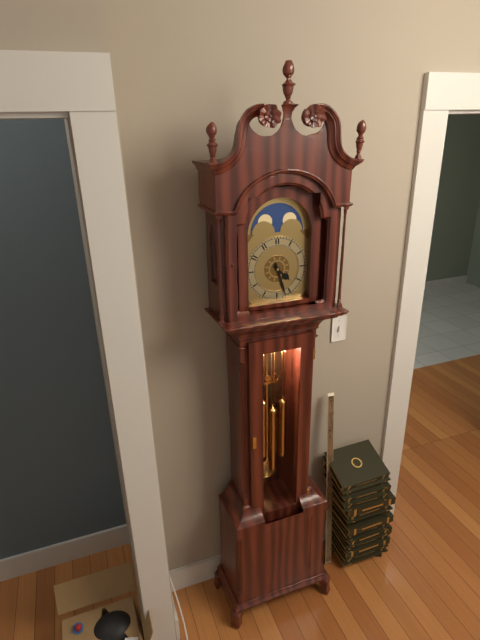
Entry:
4:27
